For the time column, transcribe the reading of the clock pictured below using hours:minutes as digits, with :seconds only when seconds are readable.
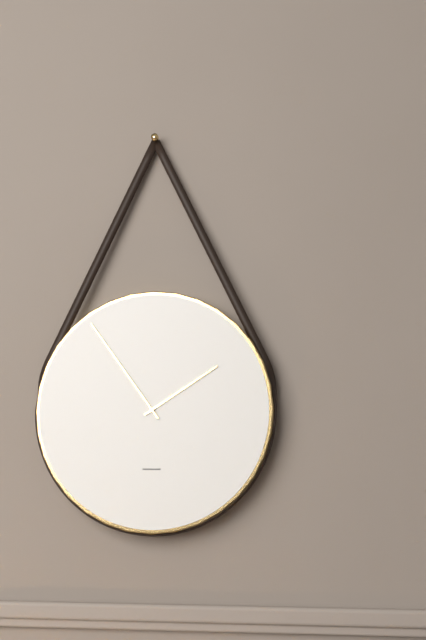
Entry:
1:54
